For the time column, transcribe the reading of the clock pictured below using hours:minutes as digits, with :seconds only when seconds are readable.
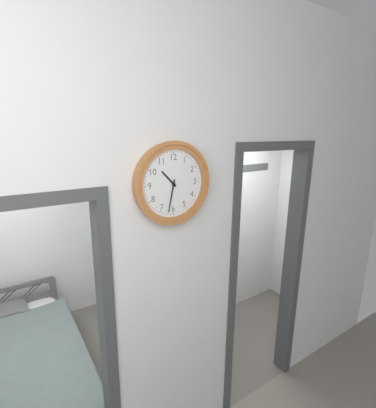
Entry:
10:32
